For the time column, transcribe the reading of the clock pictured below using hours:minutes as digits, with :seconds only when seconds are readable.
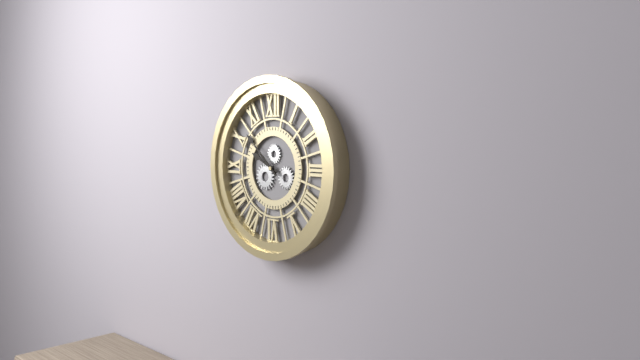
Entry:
9:52
